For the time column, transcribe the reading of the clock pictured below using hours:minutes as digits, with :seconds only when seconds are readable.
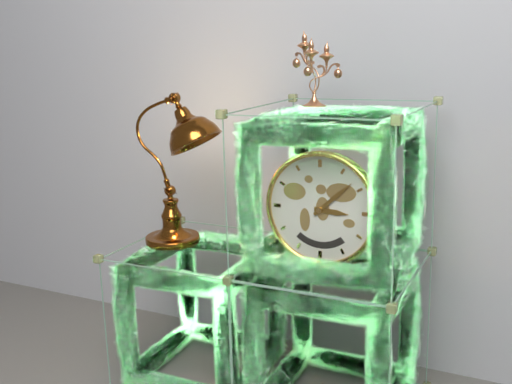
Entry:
3:08
